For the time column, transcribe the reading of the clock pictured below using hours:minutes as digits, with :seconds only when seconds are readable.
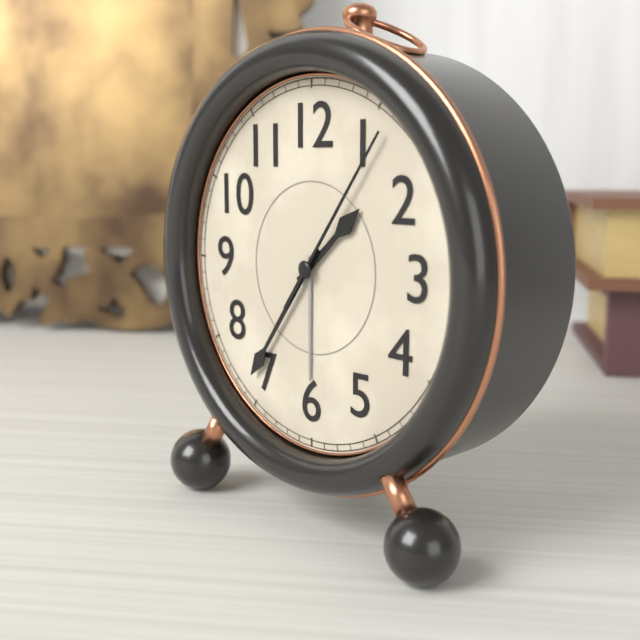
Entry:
1:36:06
